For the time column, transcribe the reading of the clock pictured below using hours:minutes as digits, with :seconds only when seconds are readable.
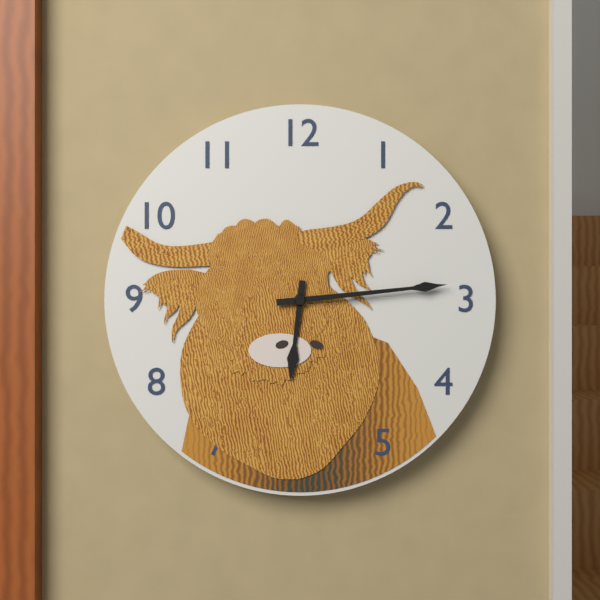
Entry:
6:14
